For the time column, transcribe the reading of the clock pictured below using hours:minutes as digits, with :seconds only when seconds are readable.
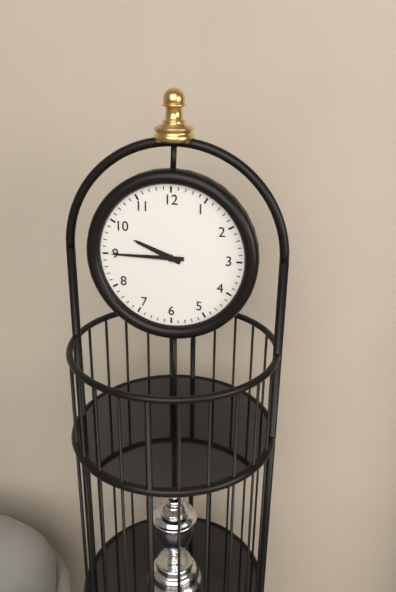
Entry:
9:45
